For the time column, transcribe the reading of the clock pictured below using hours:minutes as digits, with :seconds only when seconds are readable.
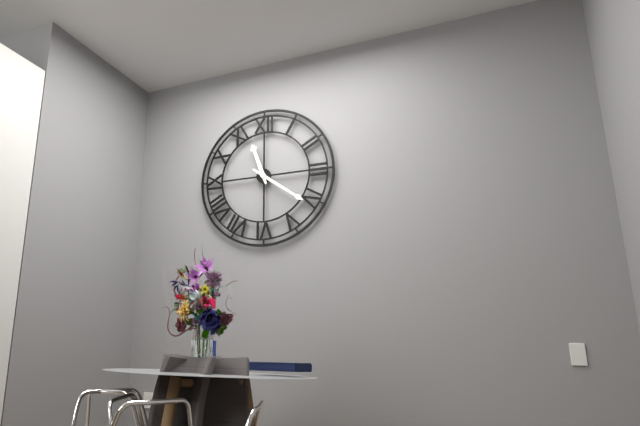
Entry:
11:21
